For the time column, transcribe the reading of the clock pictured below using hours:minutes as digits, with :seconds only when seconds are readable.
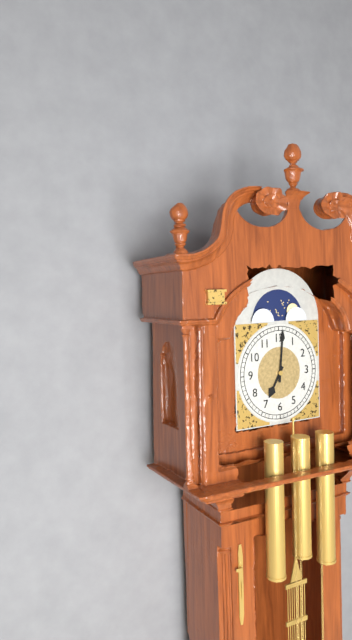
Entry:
7:01
